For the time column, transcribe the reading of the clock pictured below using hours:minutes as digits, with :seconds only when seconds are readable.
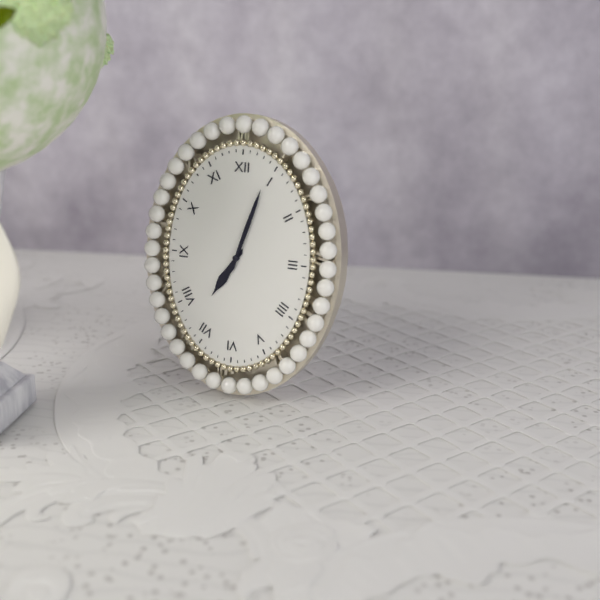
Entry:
7:03
